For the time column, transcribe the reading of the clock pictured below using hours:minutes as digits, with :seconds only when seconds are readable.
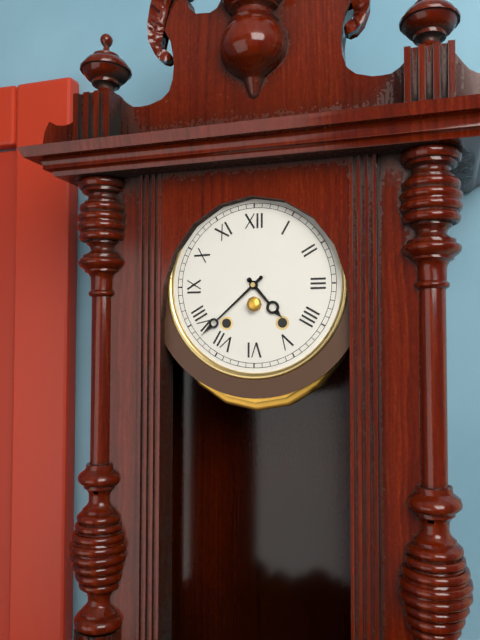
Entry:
4:38
